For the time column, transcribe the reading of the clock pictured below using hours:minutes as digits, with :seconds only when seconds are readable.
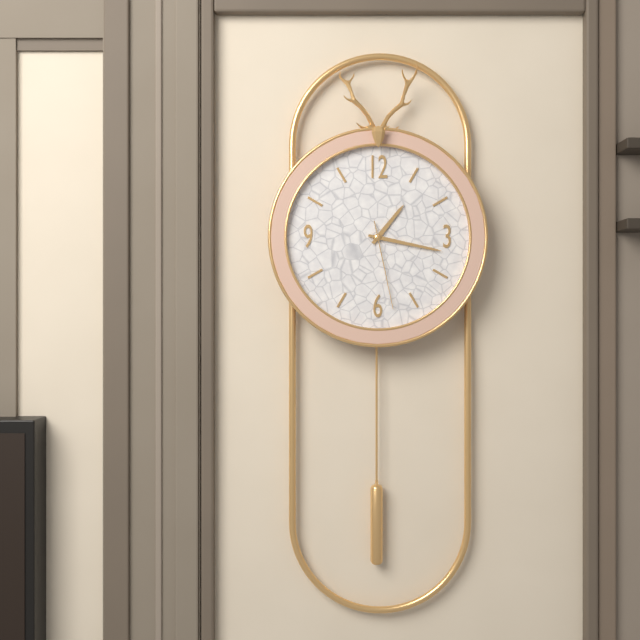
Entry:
1:17:28
